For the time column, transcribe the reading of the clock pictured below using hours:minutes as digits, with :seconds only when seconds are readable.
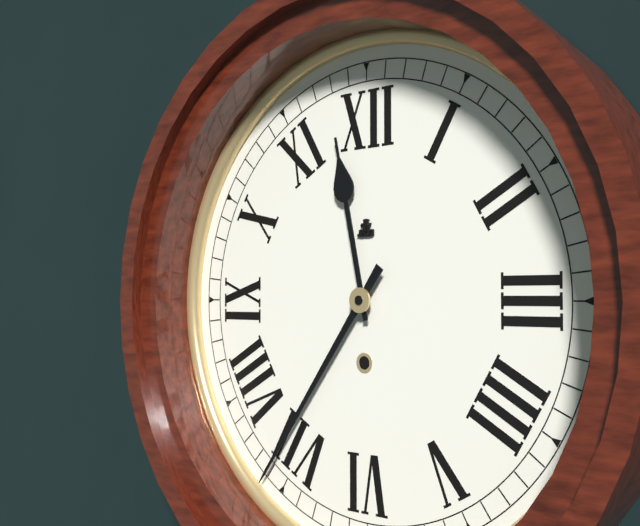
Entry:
11:36
